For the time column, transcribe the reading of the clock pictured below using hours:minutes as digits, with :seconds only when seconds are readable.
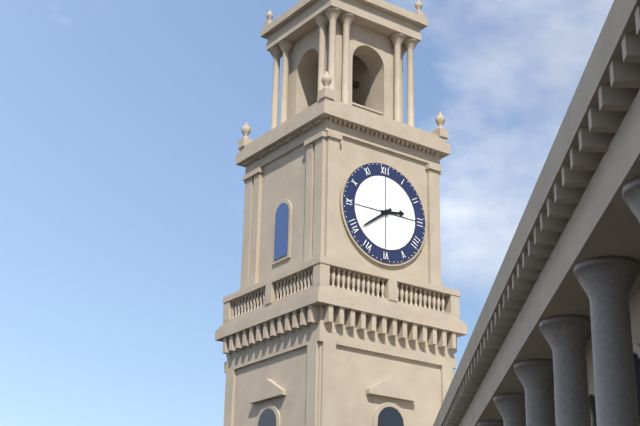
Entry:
2:39
